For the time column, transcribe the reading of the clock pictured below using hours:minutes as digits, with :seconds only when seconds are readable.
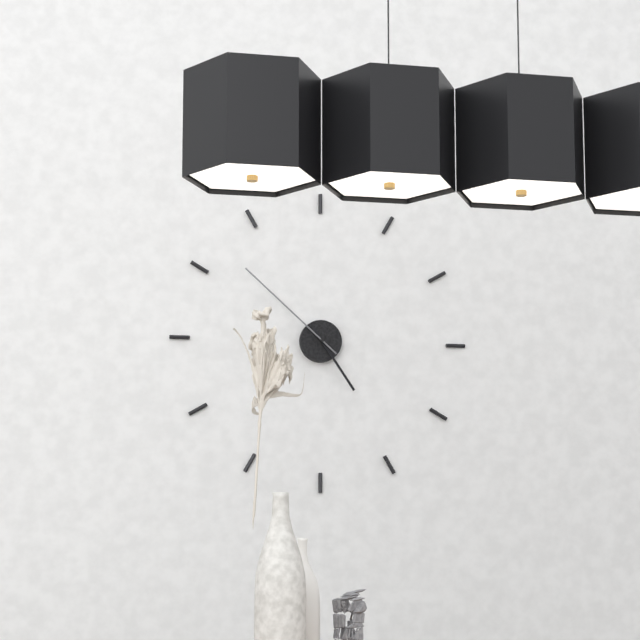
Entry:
4:52
